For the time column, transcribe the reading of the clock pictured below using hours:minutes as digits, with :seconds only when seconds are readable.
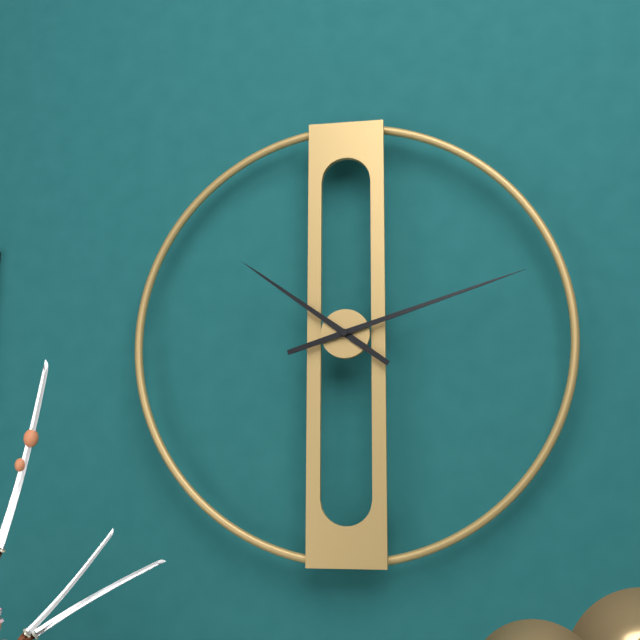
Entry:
10:12
